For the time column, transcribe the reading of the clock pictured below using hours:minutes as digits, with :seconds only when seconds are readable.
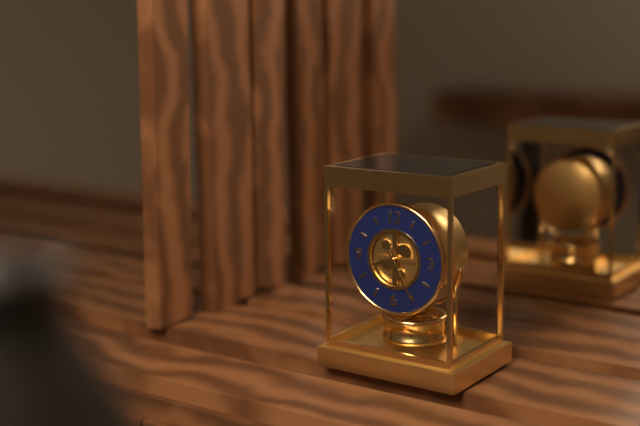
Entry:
8:25
